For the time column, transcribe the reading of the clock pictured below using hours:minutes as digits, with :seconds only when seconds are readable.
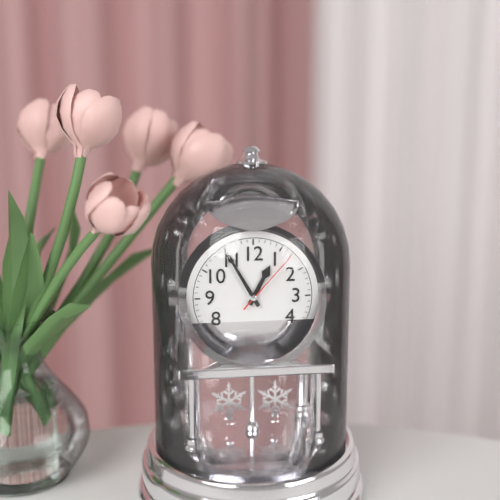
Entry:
12:55:07
